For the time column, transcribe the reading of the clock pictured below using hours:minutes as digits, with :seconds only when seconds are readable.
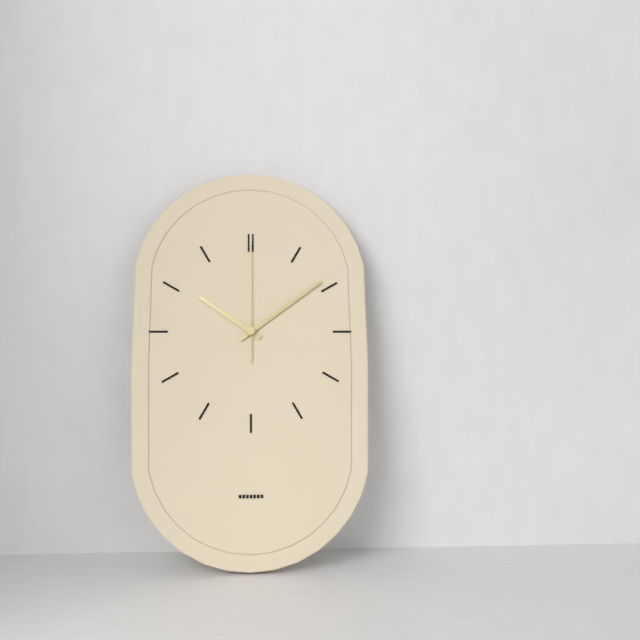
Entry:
10:09:00
